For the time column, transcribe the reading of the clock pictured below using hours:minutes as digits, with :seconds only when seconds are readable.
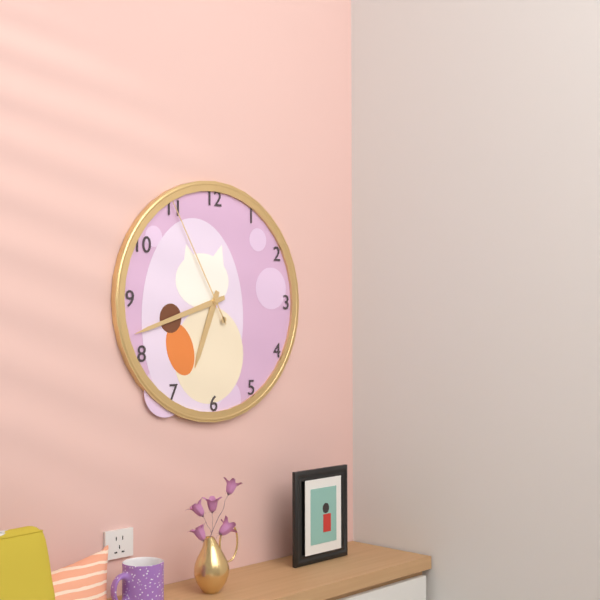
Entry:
6:42:55
